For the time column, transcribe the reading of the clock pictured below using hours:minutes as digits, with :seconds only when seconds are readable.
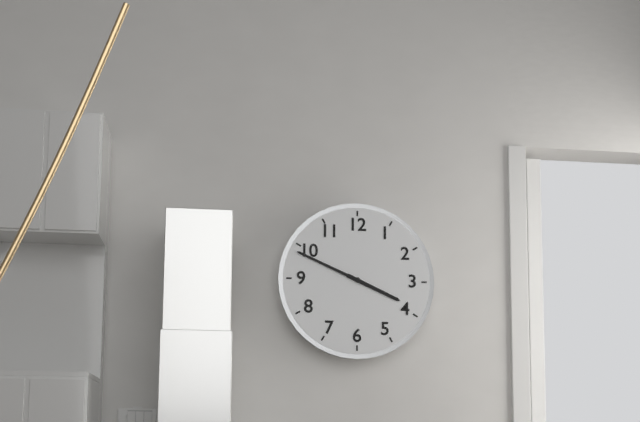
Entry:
3:49
